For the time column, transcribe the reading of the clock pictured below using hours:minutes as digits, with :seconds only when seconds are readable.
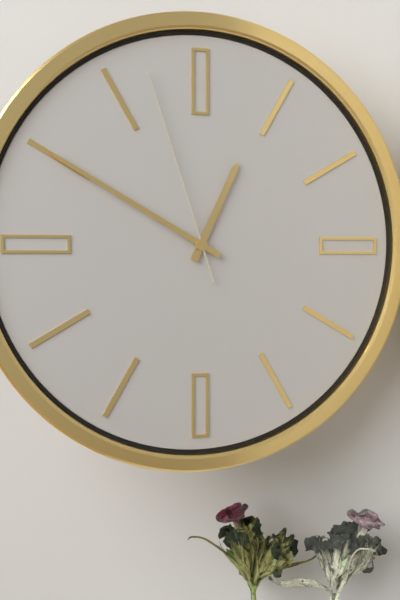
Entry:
12:50:57
